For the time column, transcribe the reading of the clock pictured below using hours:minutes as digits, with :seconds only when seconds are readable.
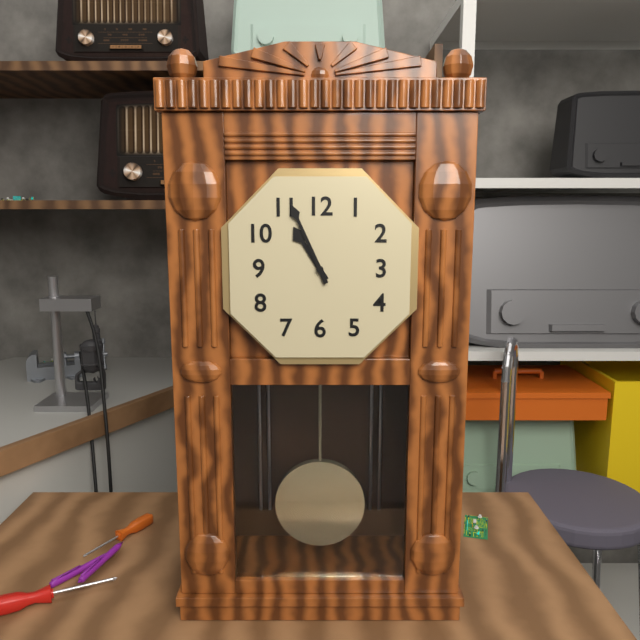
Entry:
10:56
